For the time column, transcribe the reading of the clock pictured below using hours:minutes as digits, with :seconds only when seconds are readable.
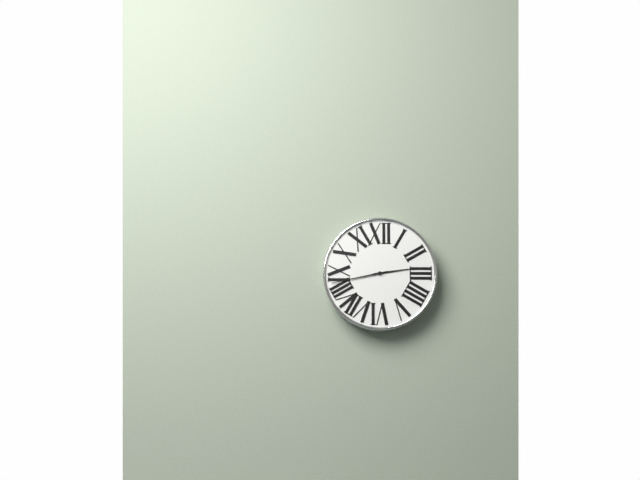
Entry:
2:43
